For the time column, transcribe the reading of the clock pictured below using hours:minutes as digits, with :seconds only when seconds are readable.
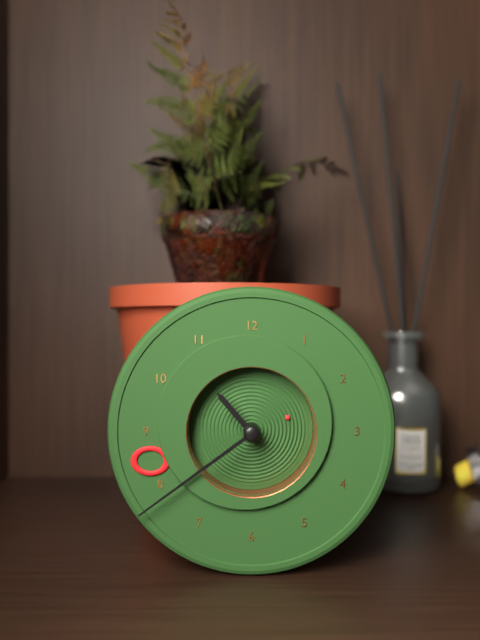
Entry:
10:39:12
